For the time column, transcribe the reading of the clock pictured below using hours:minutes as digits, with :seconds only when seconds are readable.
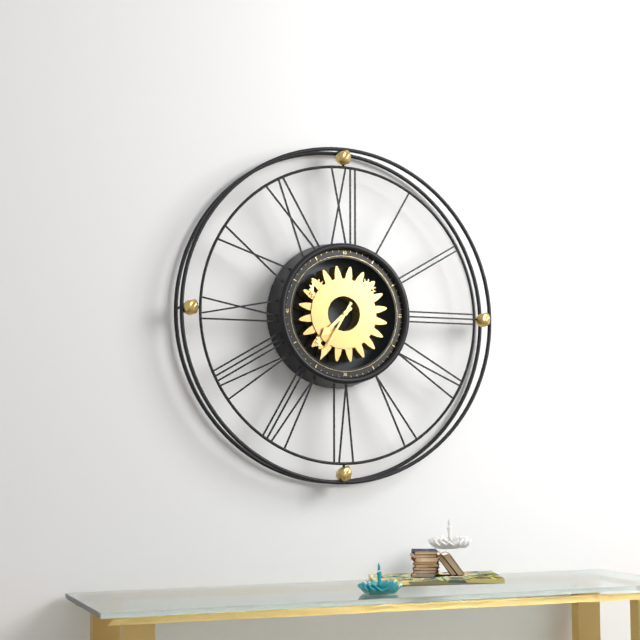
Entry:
7:35
